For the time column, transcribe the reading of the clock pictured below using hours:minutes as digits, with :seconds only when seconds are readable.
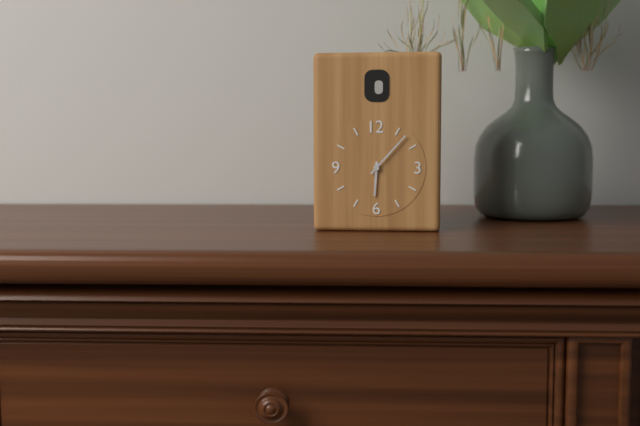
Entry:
6:07
